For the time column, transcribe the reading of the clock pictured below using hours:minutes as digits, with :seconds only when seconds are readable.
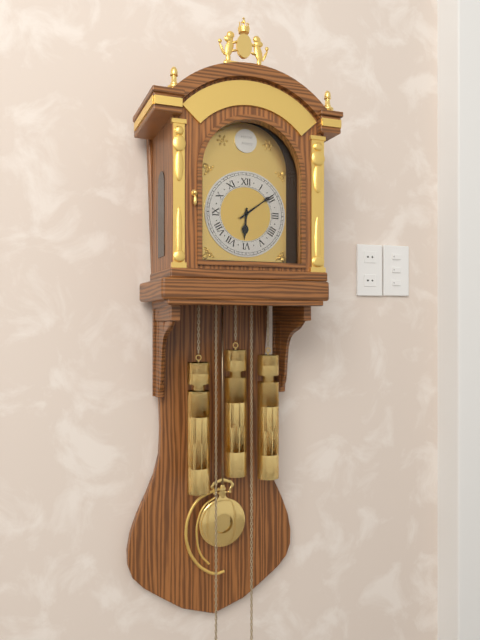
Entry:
6:09
